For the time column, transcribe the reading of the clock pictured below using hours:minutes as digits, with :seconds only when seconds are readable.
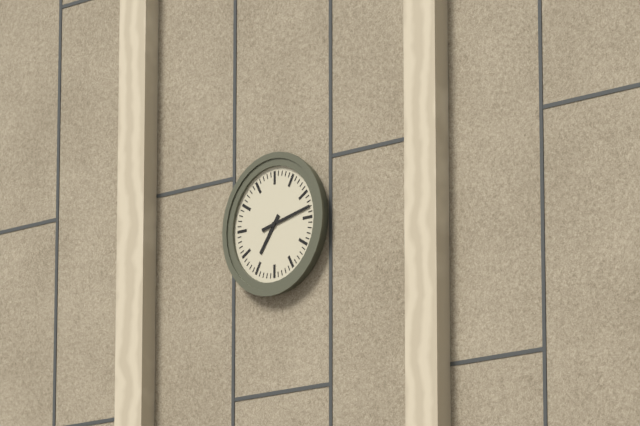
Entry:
7:13
